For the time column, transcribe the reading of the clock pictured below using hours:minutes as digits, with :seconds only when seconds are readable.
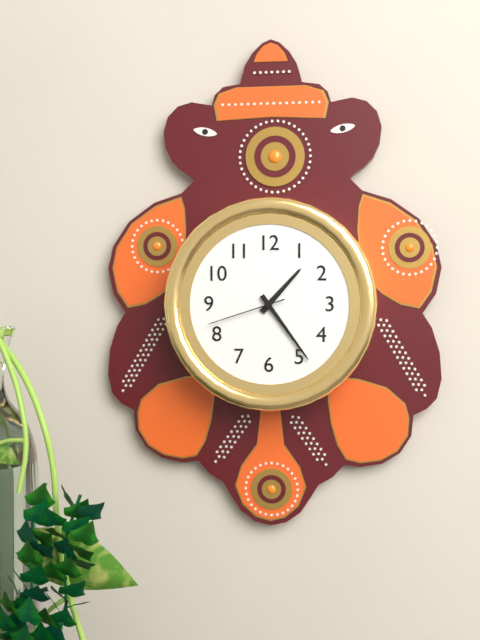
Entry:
1:24:42
